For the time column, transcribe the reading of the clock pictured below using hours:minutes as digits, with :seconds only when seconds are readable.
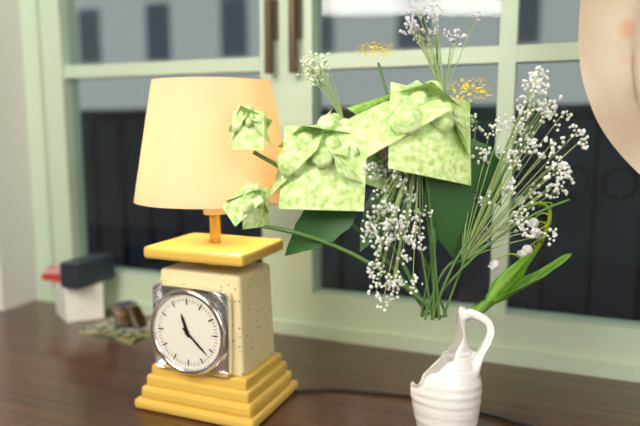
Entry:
11:22
